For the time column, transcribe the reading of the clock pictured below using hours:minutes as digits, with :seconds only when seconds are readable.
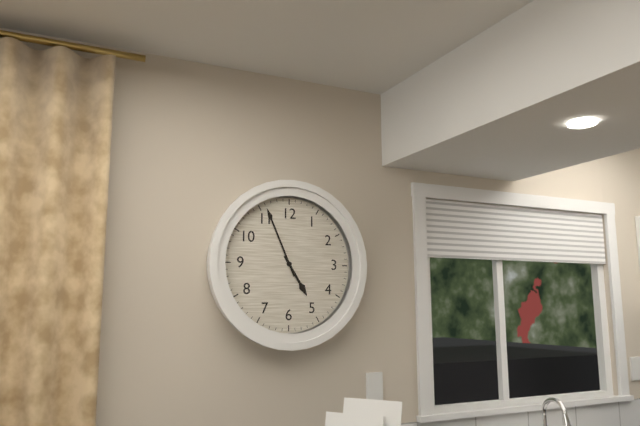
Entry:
4:56
